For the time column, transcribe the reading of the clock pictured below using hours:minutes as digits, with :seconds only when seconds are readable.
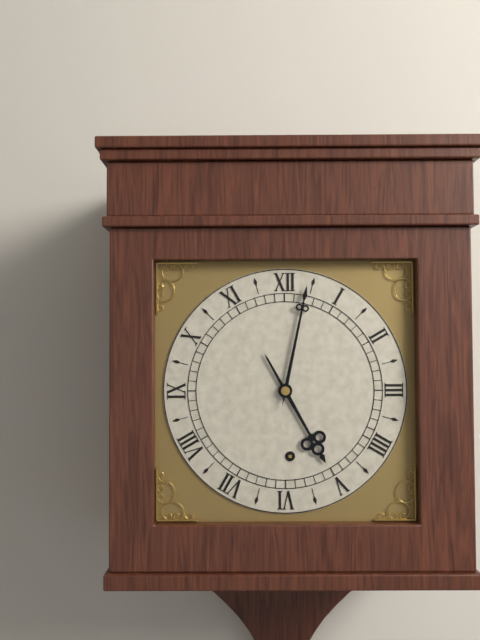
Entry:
5:02
